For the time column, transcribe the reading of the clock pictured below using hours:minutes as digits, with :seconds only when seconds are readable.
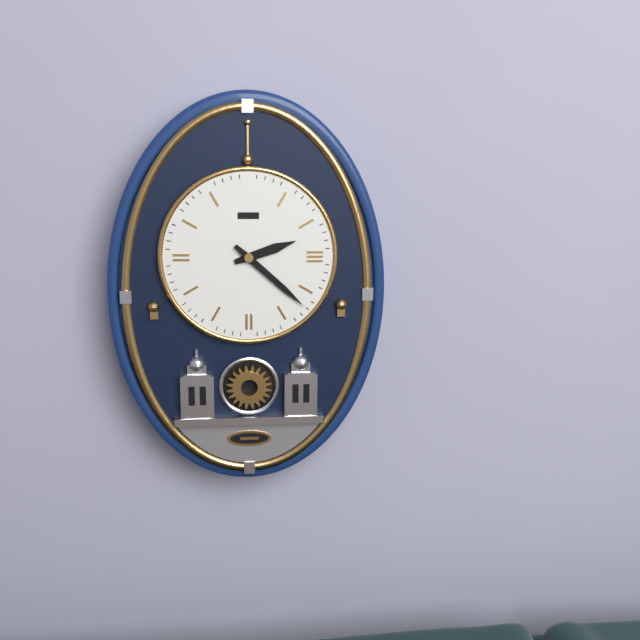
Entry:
2:22
